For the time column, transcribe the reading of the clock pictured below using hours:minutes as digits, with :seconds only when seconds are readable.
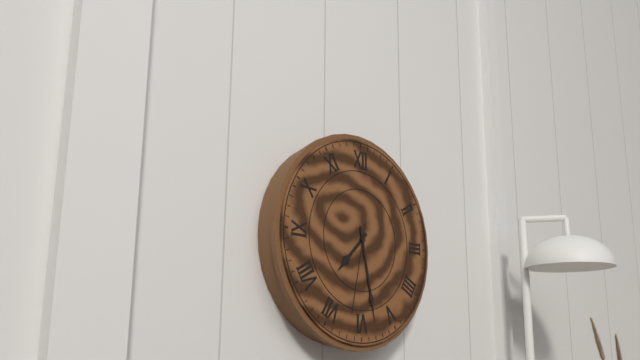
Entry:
7:28:32
